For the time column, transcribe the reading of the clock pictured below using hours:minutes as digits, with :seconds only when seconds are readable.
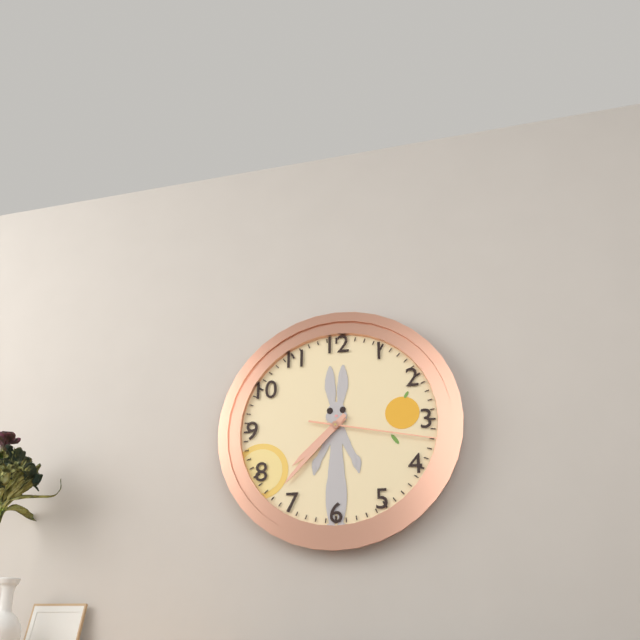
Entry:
7:37:17
